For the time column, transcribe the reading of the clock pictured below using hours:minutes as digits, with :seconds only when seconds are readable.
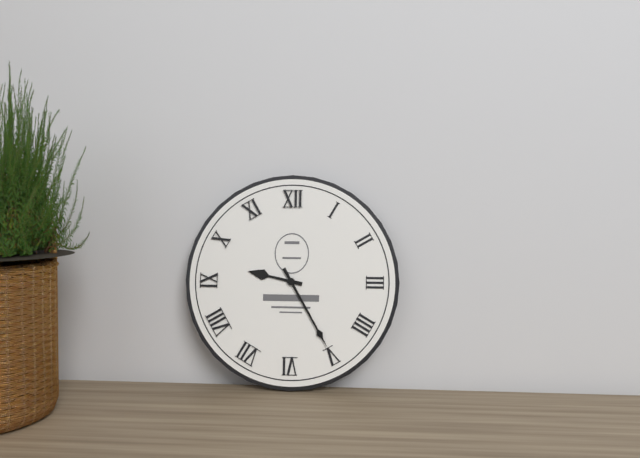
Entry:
9:25
